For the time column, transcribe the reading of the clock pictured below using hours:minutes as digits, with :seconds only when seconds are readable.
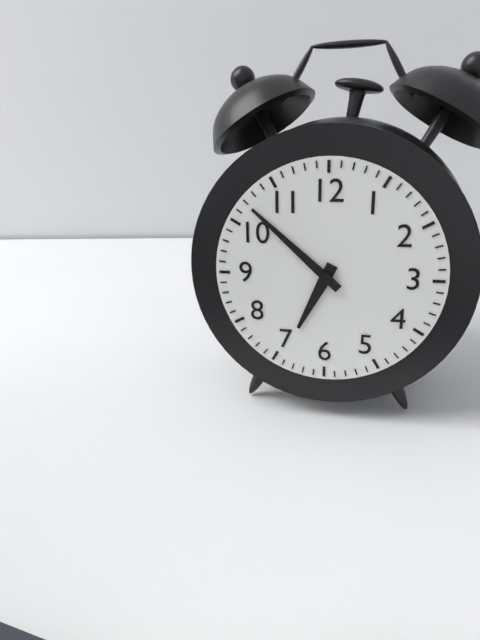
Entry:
6:52
